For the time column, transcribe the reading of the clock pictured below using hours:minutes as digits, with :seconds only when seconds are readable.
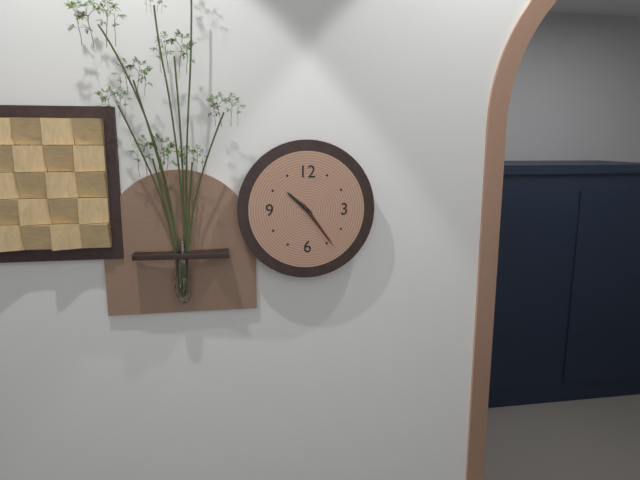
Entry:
10:24:24
